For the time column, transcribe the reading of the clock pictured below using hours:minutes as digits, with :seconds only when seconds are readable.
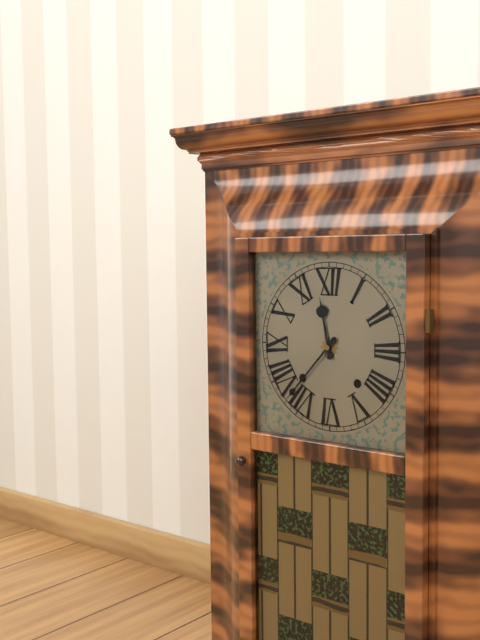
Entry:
11:37
